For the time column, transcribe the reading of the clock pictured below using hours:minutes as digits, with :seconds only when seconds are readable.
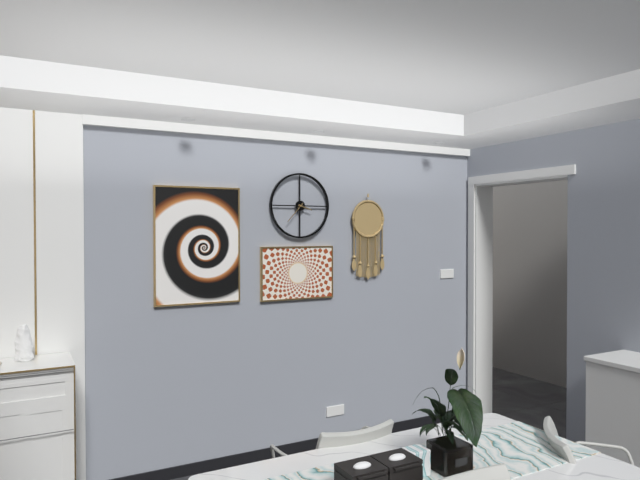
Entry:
3:37
